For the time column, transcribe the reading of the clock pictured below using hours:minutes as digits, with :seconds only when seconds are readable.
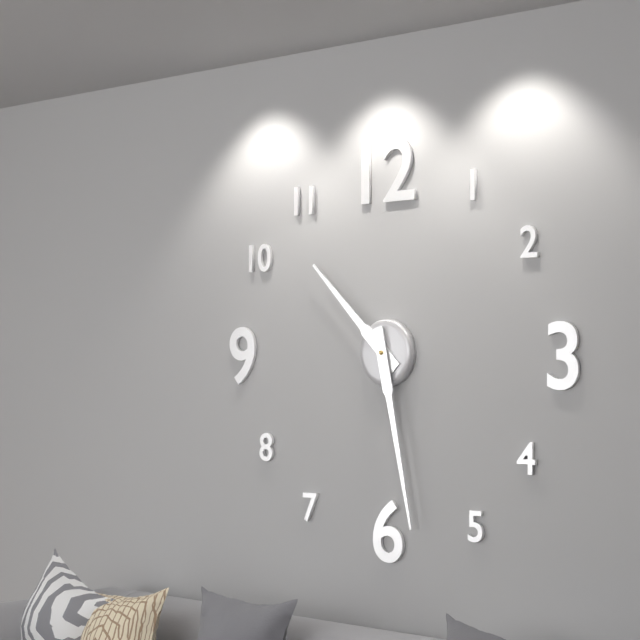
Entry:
10:28
